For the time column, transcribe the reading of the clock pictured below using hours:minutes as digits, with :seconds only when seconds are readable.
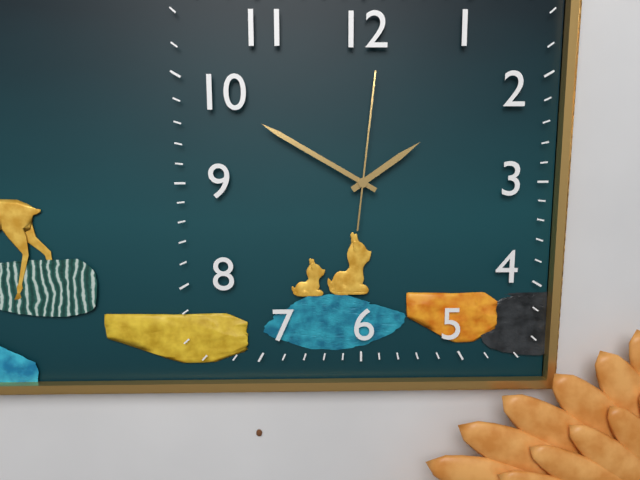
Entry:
1:50:01
